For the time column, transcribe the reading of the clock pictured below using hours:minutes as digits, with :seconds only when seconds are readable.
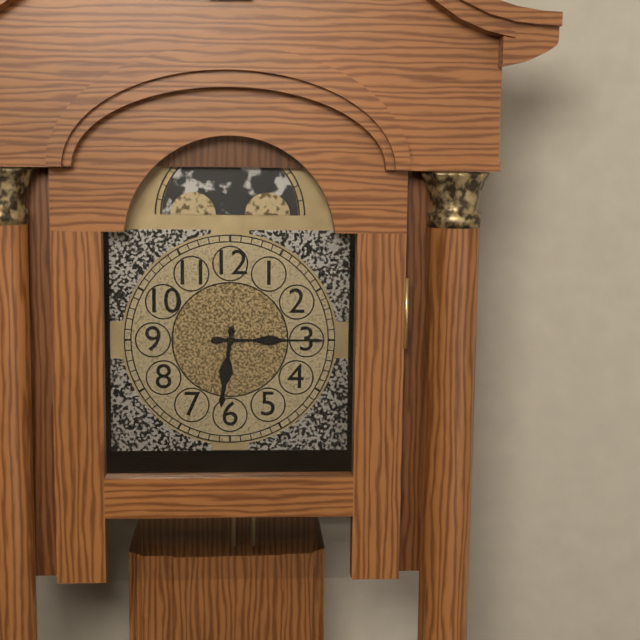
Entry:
6:15
